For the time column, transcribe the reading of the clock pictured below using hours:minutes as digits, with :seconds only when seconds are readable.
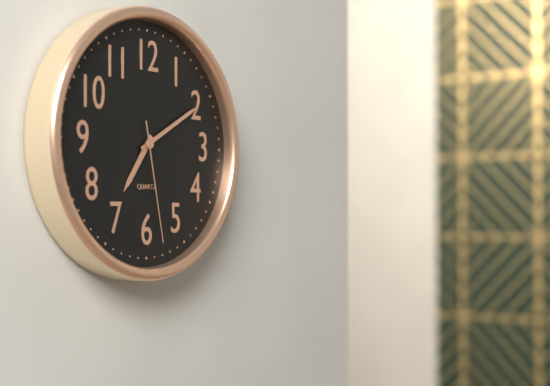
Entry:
7:10:28
